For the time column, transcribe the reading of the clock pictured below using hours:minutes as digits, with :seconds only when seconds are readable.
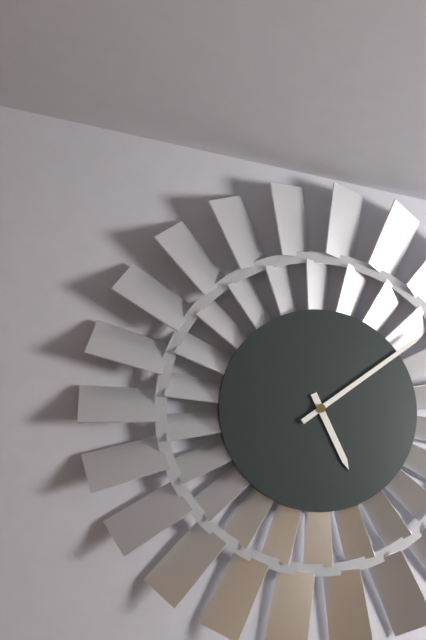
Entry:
5:09
